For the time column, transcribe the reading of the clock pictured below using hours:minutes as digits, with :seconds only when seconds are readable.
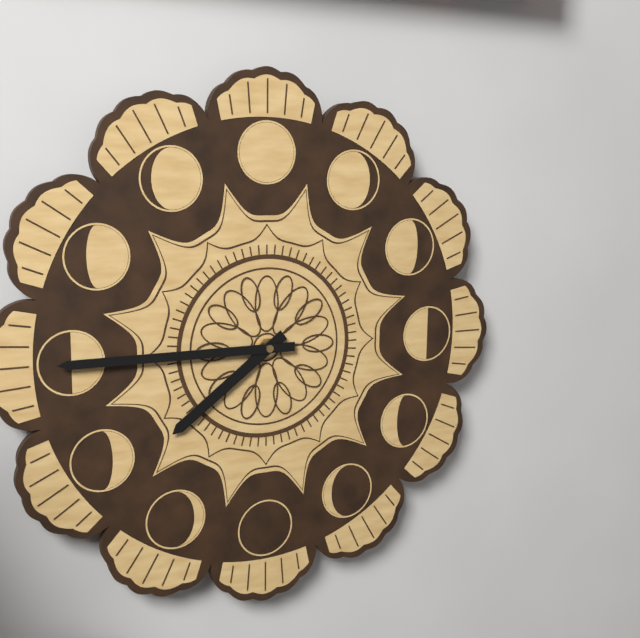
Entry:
7:45
